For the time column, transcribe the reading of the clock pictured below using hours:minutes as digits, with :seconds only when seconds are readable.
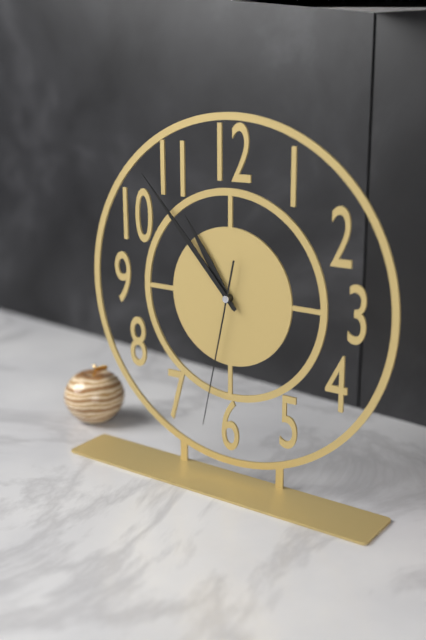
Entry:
10:53:32
